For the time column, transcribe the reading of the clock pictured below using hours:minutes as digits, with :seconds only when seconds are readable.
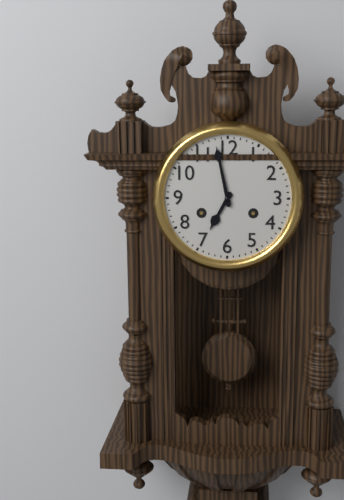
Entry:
6:58
